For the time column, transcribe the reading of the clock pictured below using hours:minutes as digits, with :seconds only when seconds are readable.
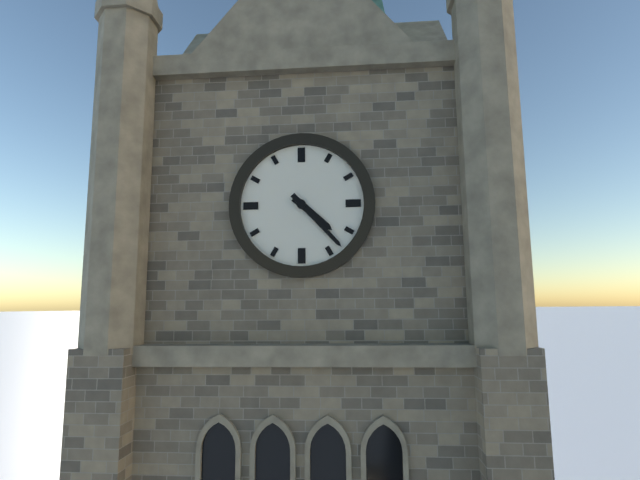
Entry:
4:23
